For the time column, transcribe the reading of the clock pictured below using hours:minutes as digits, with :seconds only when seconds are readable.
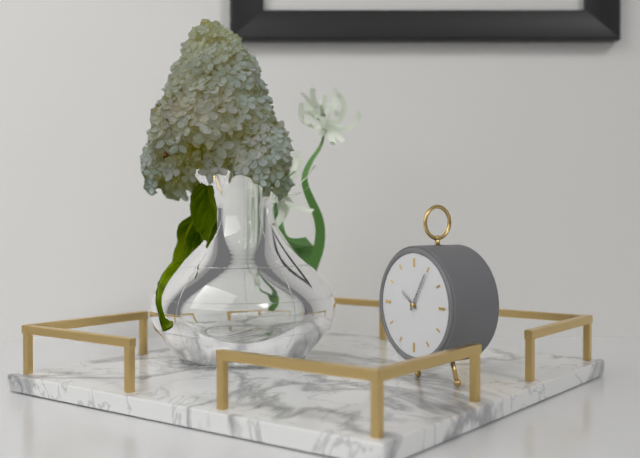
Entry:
10:05
